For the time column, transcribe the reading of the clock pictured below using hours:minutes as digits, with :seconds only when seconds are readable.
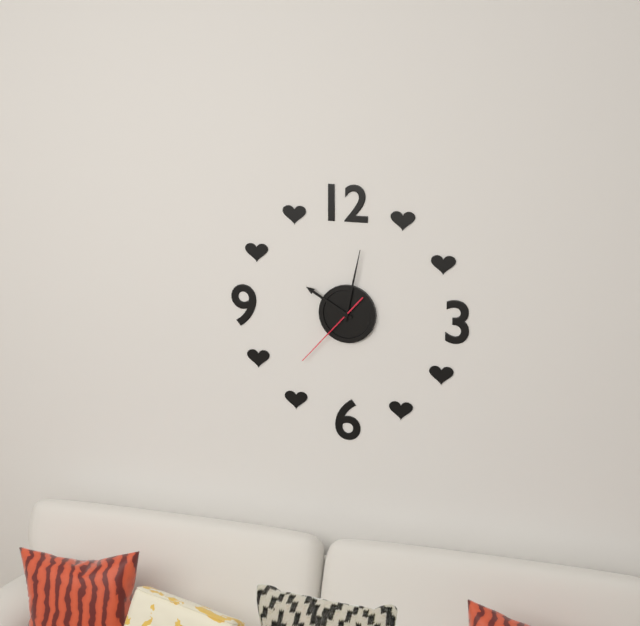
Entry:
10:02:37
